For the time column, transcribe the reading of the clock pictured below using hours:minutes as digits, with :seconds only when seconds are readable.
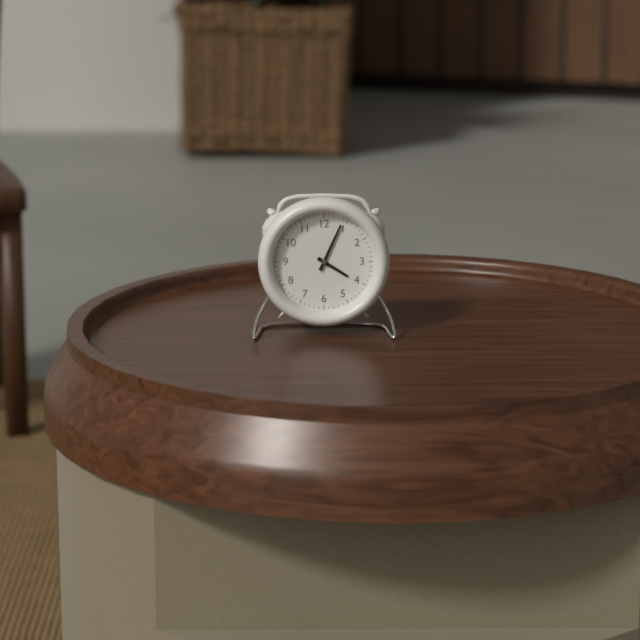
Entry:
4:04
